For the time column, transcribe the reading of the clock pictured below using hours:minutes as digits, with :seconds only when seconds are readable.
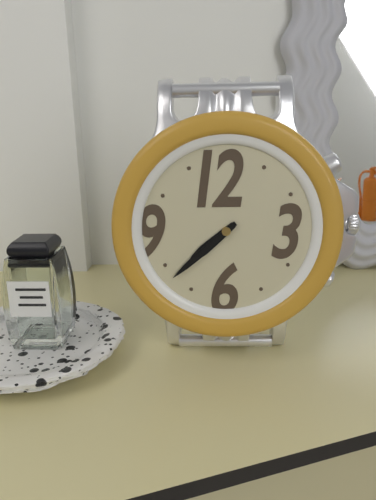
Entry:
7:38
